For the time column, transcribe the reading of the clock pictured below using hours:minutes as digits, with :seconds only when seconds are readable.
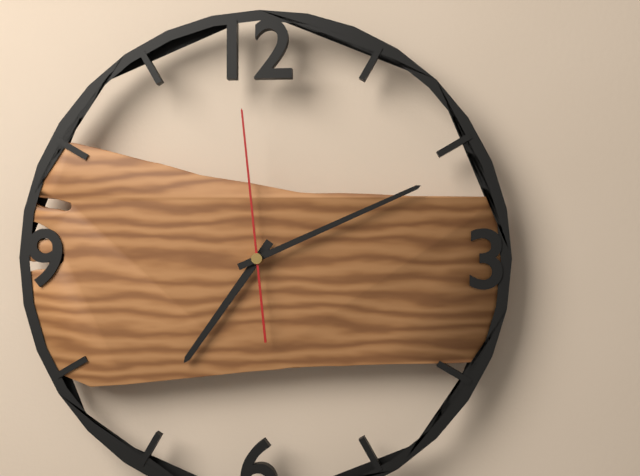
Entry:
7:11:59
